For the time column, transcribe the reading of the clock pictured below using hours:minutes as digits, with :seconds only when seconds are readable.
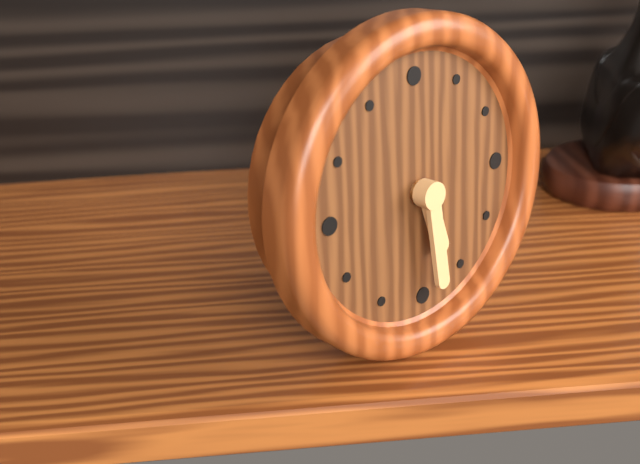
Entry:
5:29
